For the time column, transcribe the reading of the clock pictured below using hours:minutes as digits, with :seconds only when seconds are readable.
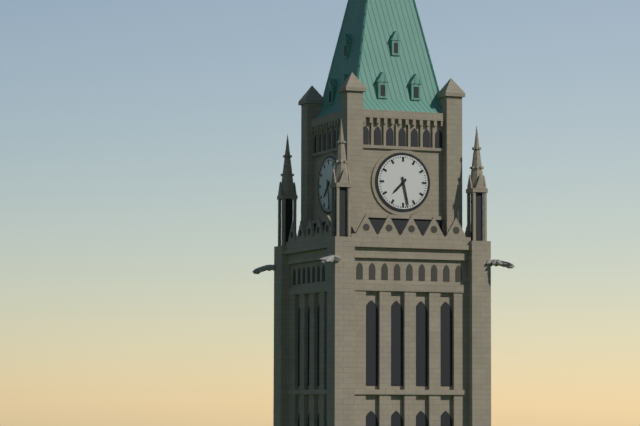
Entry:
7:28
